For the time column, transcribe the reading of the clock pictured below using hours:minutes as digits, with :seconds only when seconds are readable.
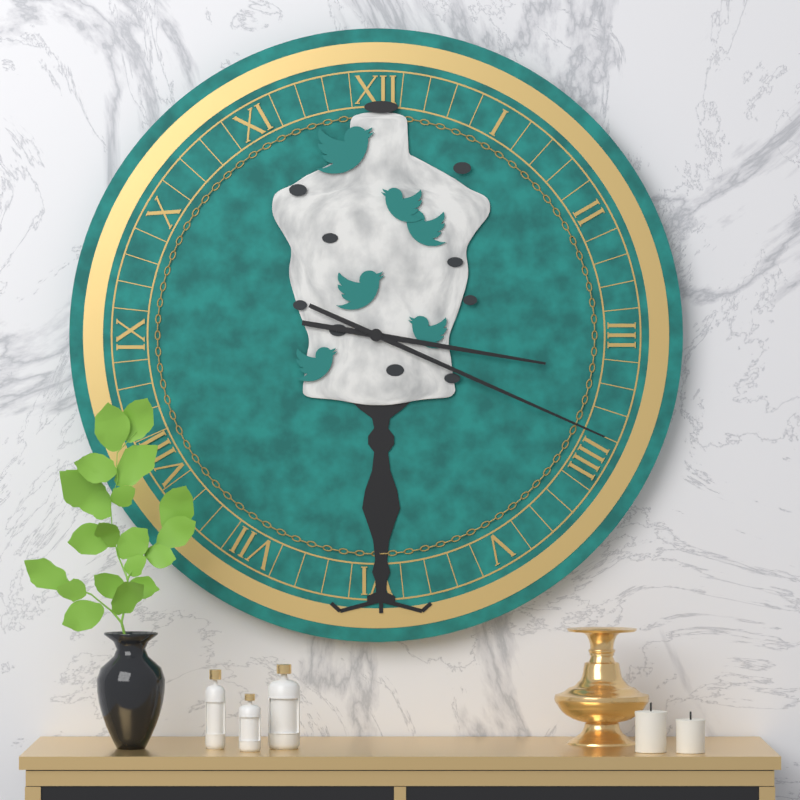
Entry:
3:19
